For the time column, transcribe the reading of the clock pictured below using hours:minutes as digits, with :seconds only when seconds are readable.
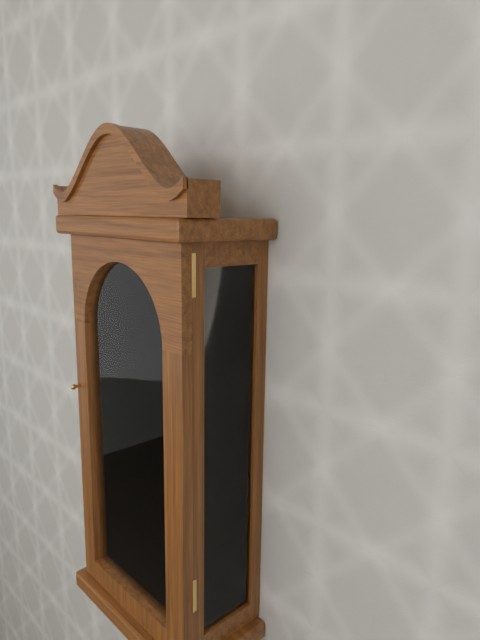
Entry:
5:56
